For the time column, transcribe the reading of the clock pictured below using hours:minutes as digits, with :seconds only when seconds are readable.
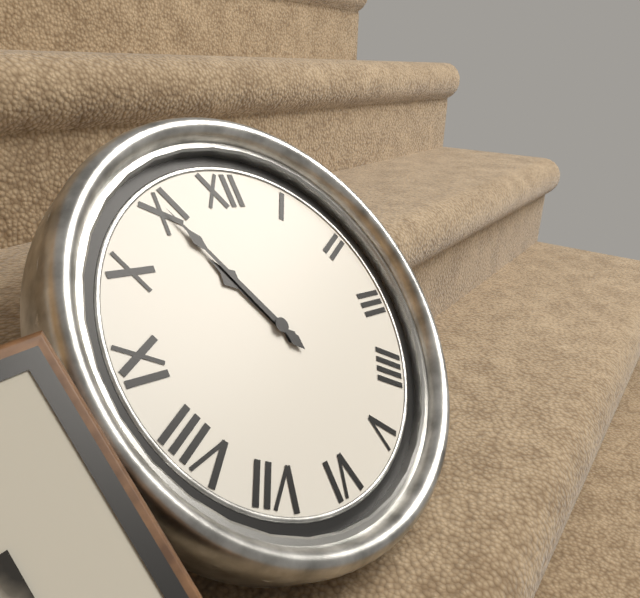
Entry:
10:55
